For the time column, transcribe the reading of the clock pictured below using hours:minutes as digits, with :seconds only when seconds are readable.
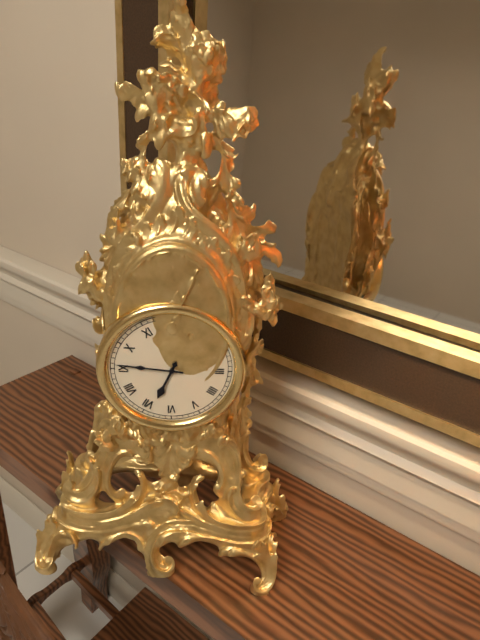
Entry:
6:46
